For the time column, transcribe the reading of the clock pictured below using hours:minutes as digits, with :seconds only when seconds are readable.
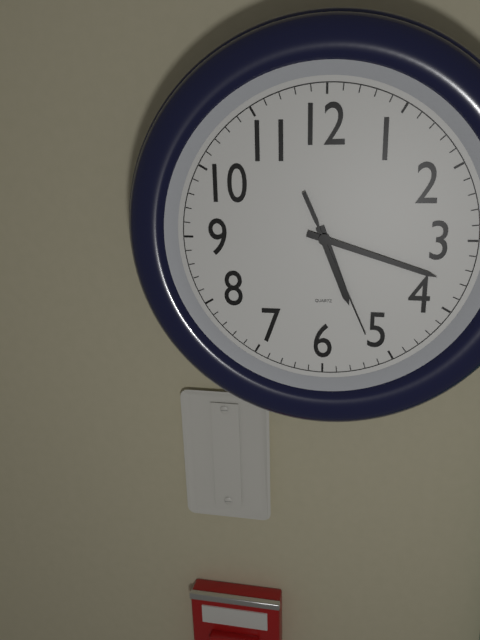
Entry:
5:18:26
